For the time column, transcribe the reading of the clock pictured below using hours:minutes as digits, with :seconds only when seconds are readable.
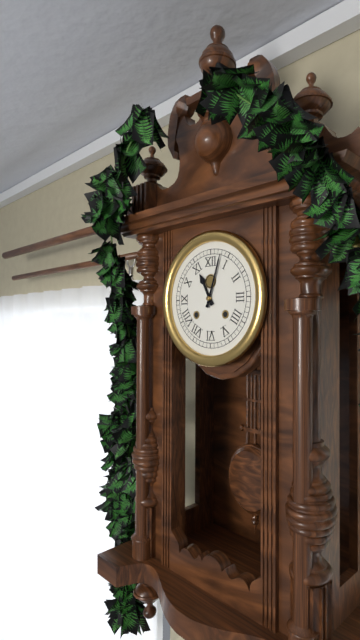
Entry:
11:03
